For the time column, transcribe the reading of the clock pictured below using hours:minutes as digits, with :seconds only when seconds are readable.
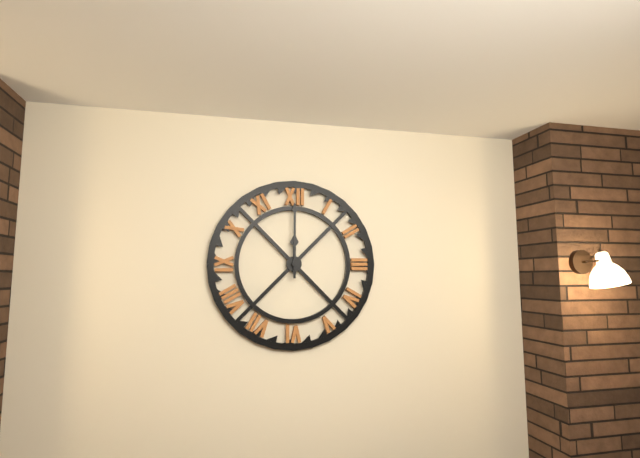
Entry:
12:00
